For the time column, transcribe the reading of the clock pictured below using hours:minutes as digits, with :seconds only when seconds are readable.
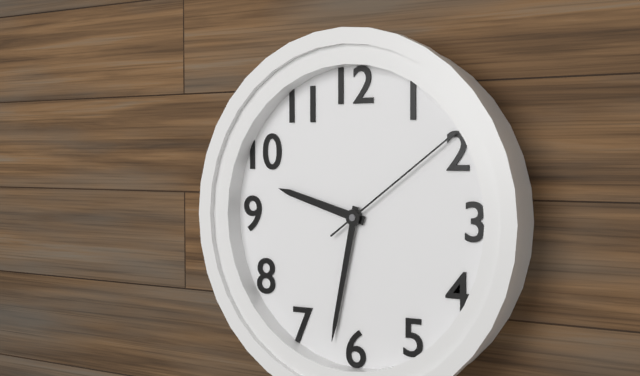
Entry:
9:32:09
